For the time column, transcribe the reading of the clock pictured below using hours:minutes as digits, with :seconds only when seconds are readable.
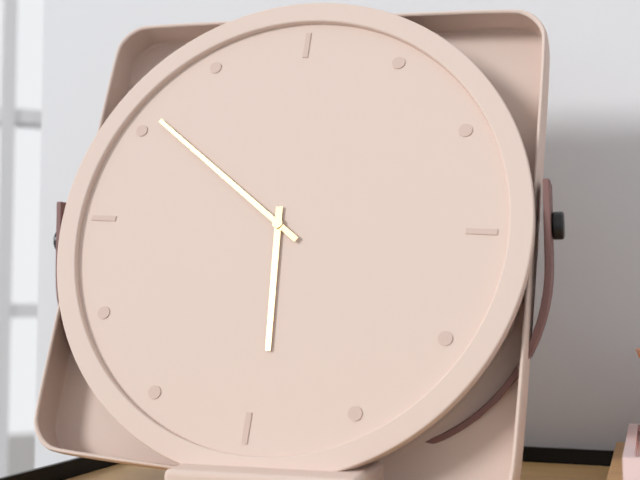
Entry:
5:51
